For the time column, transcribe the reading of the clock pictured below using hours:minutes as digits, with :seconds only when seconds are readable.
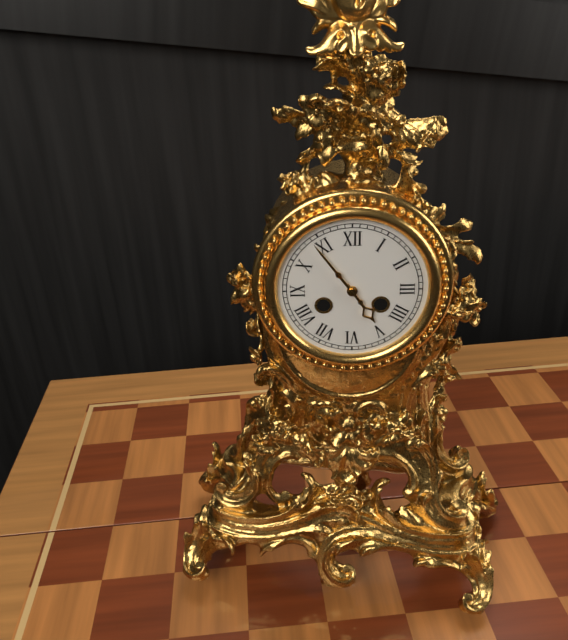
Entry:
4:54
